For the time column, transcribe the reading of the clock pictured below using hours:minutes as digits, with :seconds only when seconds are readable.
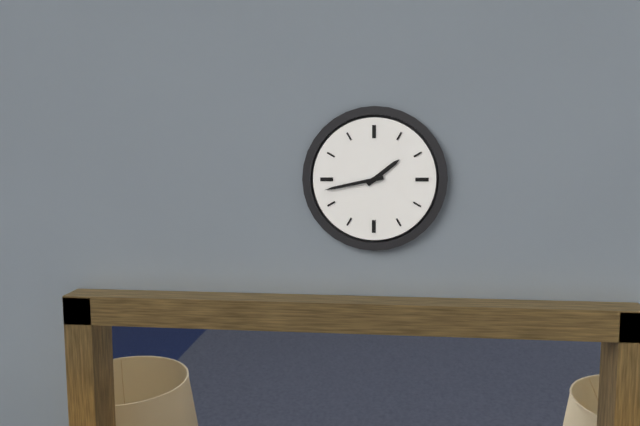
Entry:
1:43
